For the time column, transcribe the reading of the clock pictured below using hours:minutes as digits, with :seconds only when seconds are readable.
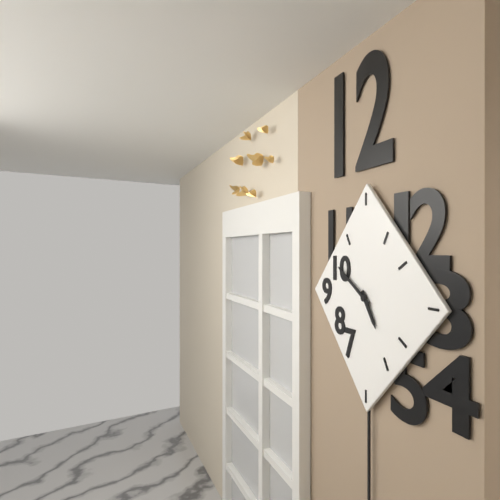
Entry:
4:50
